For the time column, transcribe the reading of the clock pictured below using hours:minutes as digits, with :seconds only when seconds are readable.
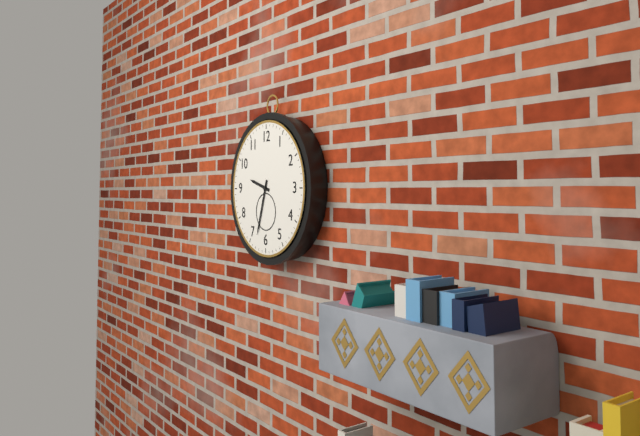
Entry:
9:33
